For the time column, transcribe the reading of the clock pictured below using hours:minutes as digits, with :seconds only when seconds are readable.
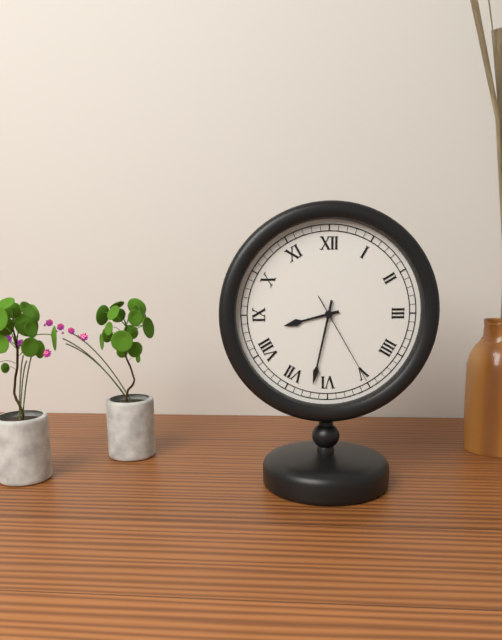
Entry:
8:32:25
